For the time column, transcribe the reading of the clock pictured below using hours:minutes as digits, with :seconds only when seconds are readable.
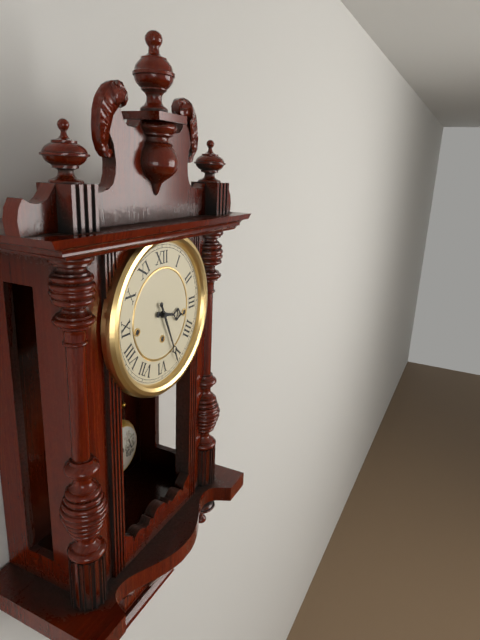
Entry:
3:26
